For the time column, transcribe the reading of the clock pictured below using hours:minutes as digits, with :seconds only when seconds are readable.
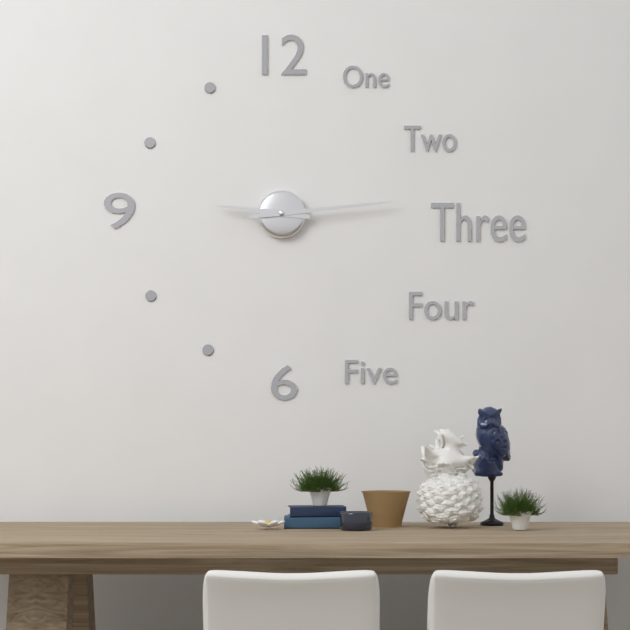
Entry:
9:14
